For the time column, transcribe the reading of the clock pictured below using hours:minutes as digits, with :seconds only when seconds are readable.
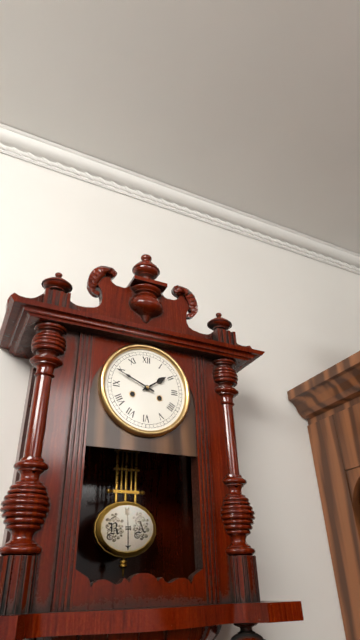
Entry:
1:49
